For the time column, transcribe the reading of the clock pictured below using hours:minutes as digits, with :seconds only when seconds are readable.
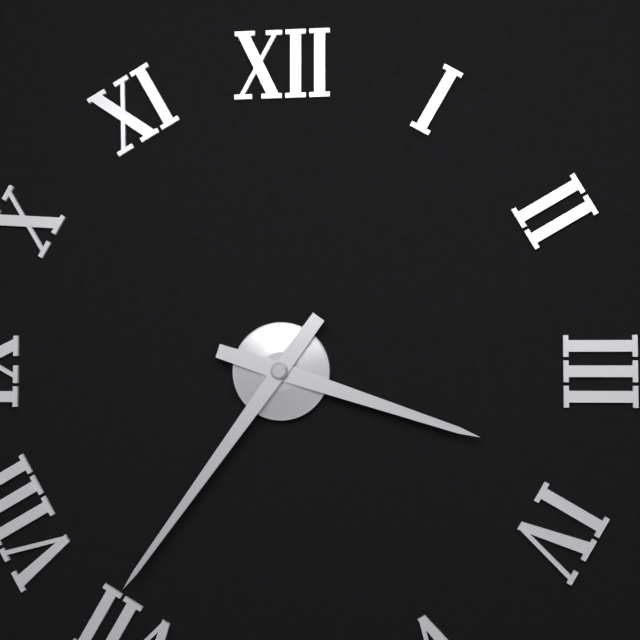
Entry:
3:36
